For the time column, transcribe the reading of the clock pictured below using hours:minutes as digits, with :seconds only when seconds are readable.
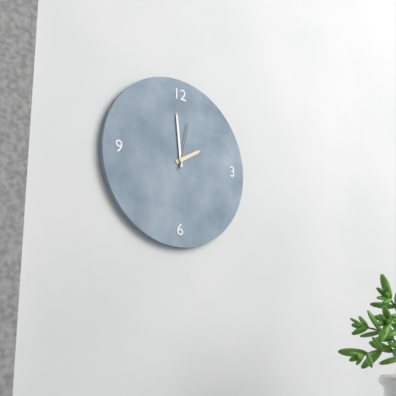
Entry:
1:59
